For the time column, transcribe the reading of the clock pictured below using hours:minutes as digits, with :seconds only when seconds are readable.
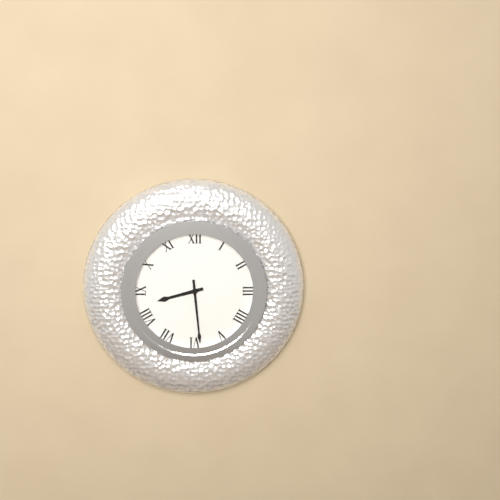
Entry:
8:29
